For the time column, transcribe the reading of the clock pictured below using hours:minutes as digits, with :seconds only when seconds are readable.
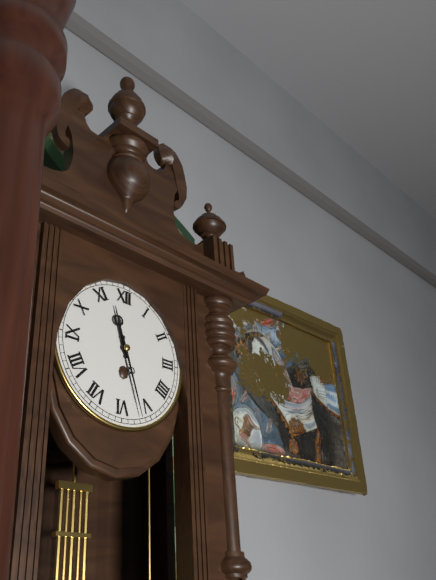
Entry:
11:27
